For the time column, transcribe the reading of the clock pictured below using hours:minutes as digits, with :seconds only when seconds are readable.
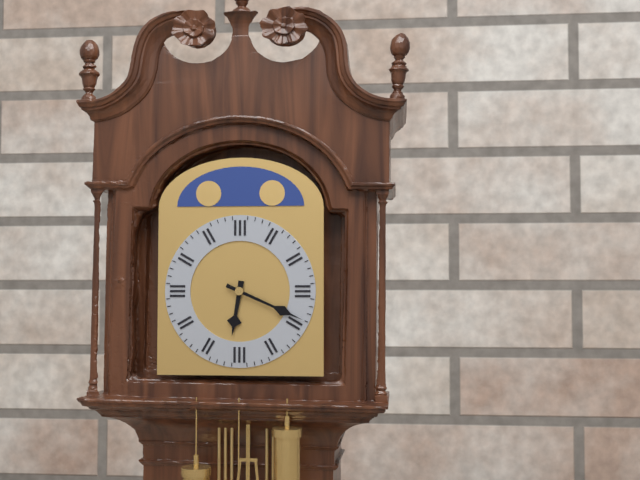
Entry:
6:19
